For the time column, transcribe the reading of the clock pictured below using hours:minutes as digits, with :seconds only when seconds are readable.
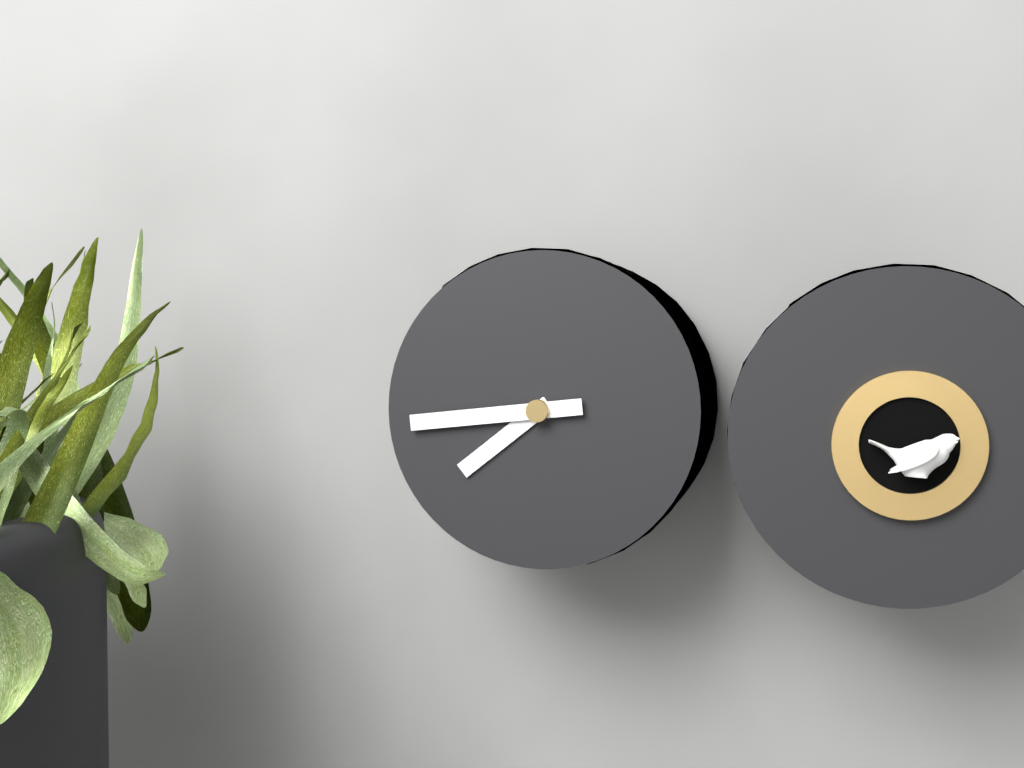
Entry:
7:44
